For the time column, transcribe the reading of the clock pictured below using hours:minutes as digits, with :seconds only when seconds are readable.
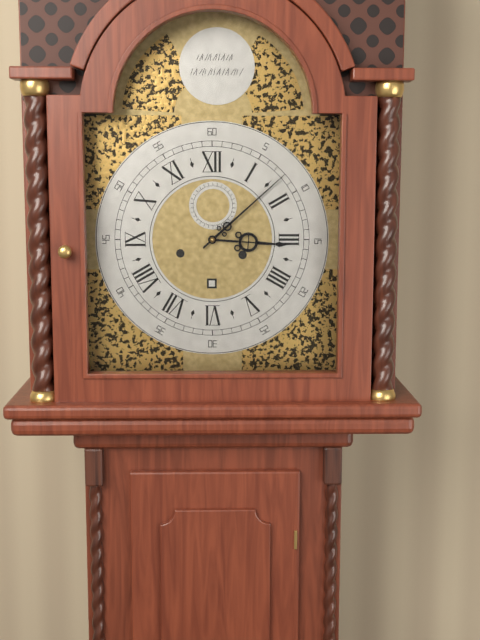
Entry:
3:08
